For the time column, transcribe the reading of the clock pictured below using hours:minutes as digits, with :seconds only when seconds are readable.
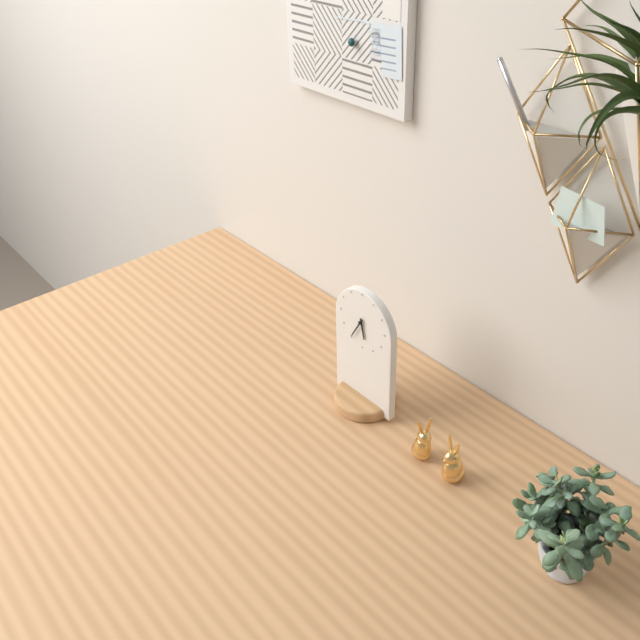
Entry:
5:35
